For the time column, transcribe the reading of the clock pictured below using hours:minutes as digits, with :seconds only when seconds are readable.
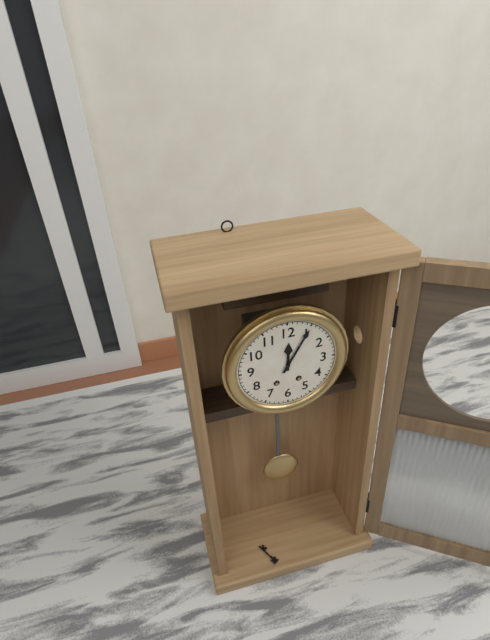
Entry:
12:05
